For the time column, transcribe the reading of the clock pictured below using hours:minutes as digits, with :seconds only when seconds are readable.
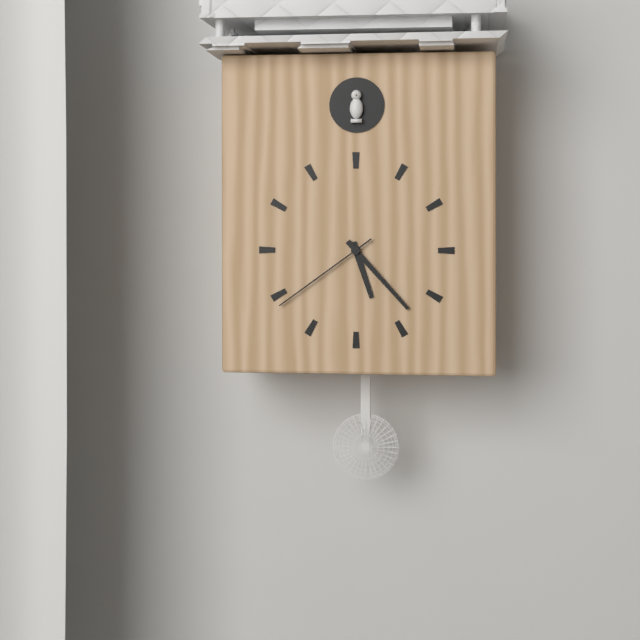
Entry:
5:23:39
